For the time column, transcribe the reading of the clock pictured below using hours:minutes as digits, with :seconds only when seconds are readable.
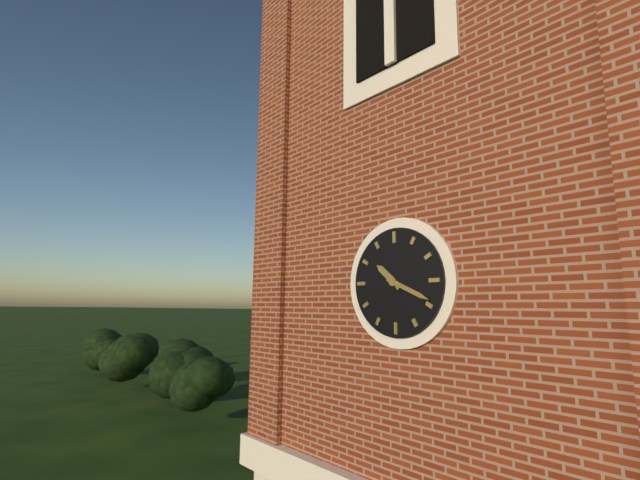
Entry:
10:19
